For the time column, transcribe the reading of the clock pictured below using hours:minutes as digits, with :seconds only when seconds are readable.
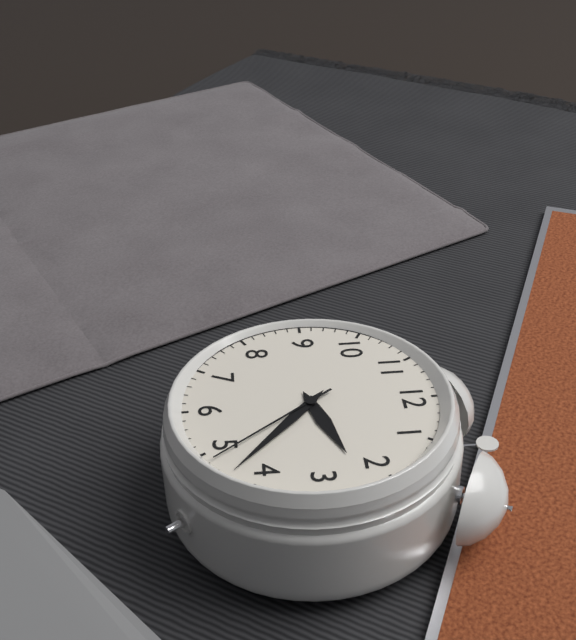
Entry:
2:22:24
